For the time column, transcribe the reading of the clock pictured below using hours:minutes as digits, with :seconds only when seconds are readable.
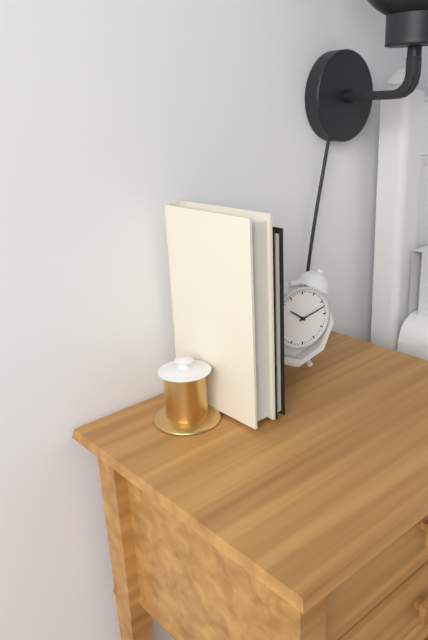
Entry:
10:12
